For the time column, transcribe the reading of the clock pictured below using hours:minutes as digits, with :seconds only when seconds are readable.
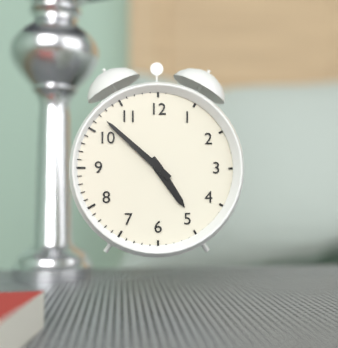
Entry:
4:52
